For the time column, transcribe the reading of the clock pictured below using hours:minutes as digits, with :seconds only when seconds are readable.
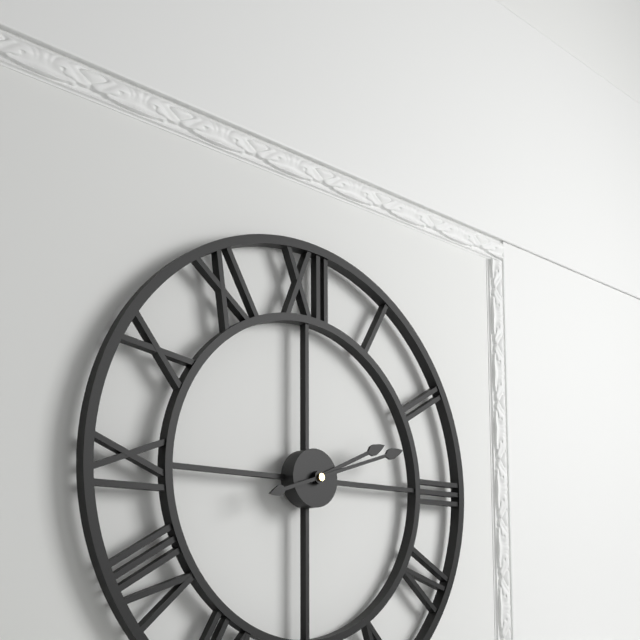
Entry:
2:12
